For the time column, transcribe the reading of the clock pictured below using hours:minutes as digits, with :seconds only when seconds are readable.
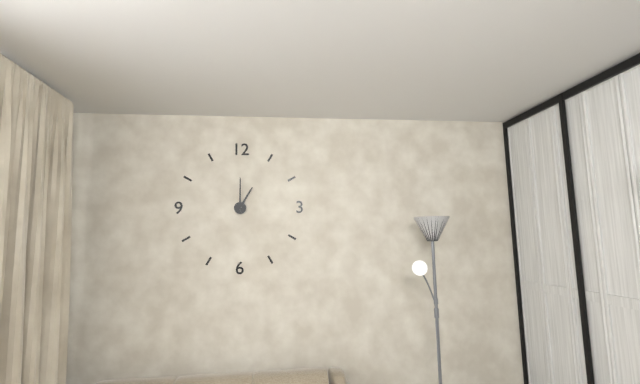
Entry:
1:00
